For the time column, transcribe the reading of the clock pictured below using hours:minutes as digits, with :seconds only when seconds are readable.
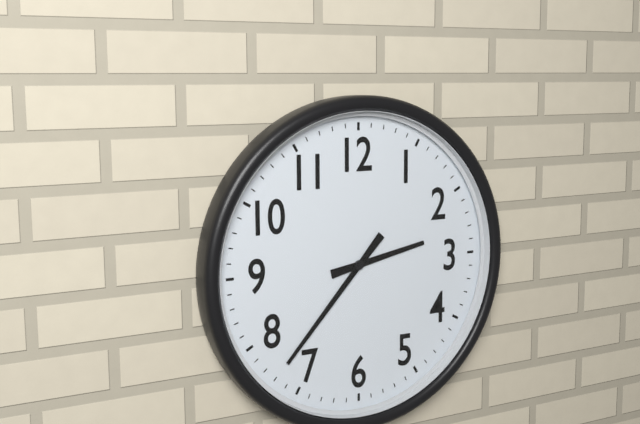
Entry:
2:37
